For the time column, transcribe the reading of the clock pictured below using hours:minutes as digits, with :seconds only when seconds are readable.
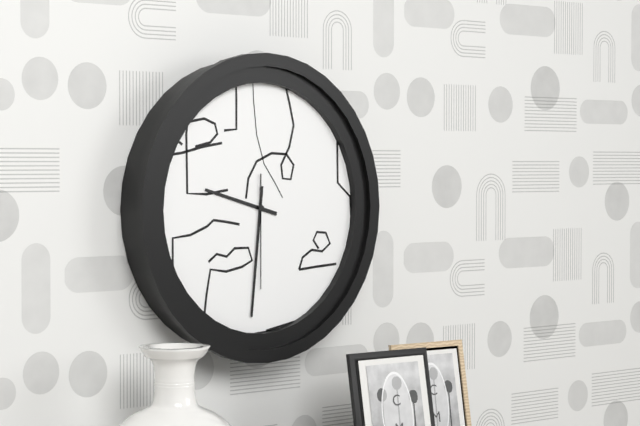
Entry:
9:31:30
